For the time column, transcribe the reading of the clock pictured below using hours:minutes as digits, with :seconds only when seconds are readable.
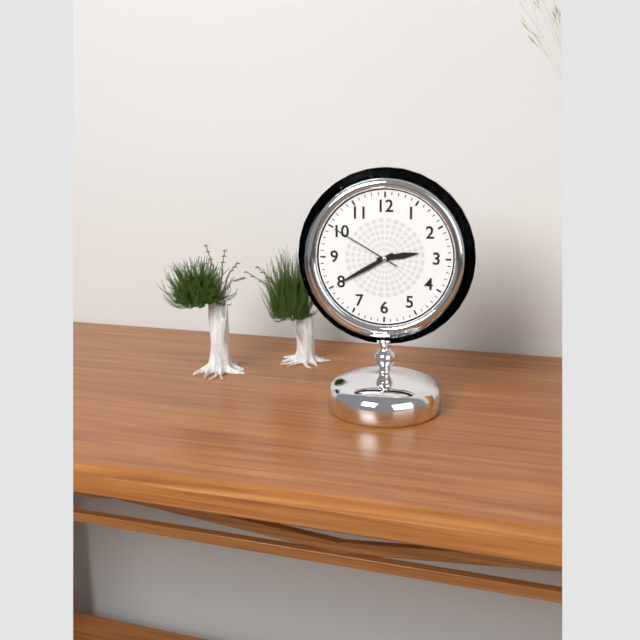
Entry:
2:40:50
